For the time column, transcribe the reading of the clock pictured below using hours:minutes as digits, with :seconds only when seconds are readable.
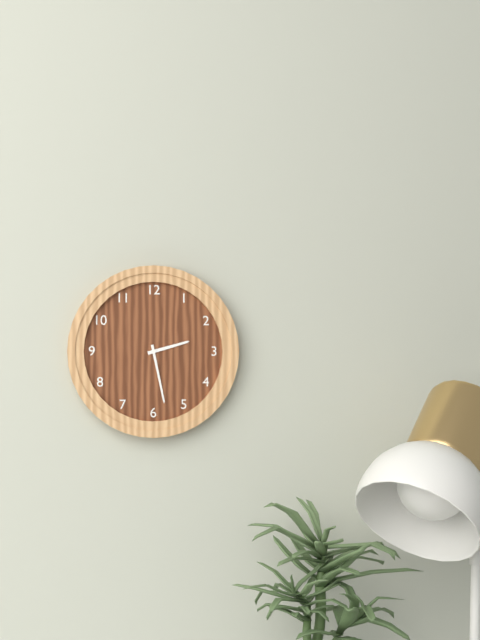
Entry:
2:28
